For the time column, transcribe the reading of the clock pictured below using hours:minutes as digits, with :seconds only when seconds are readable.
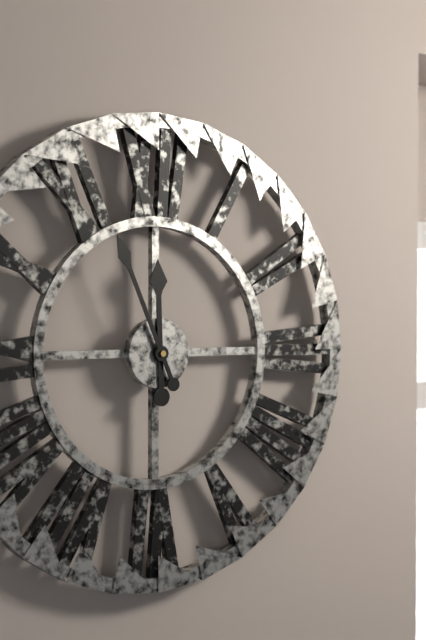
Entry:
11:56
